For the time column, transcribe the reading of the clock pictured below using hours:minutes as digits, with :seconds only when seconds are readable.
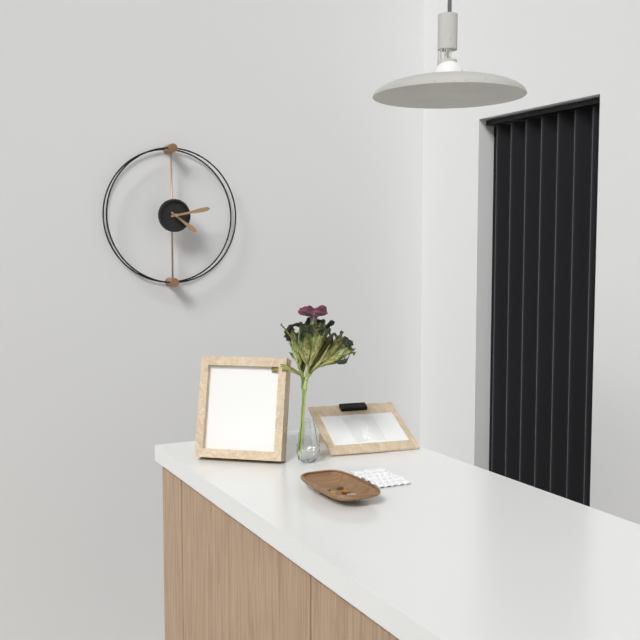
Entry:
4:13
